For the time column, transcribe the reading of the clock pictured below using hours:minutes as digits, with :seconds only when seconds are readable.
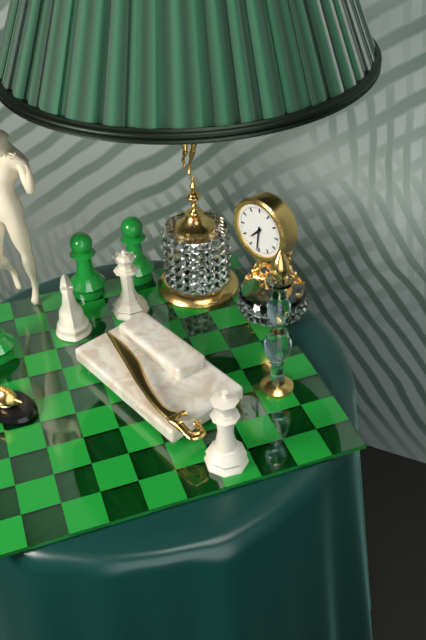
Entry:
7:31
